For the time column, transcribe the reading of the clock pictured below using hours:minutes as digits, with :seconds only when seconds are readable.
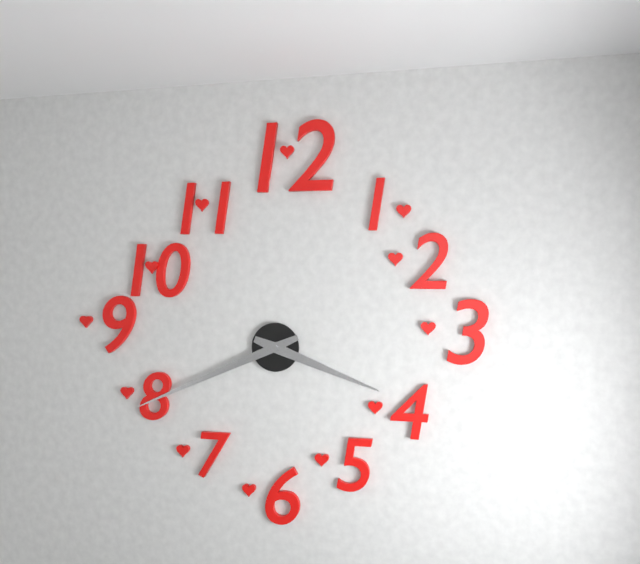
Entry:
3:41
